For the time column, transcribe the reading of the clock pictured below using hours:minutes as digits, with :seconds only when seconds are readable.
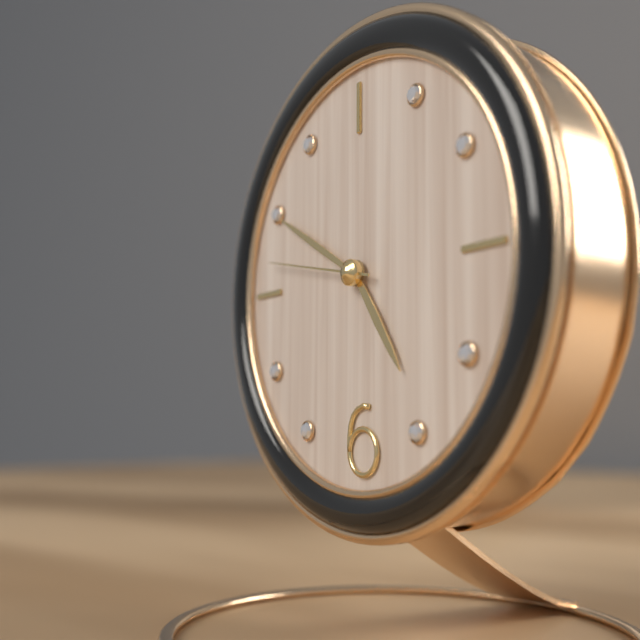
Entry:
4:50:47
